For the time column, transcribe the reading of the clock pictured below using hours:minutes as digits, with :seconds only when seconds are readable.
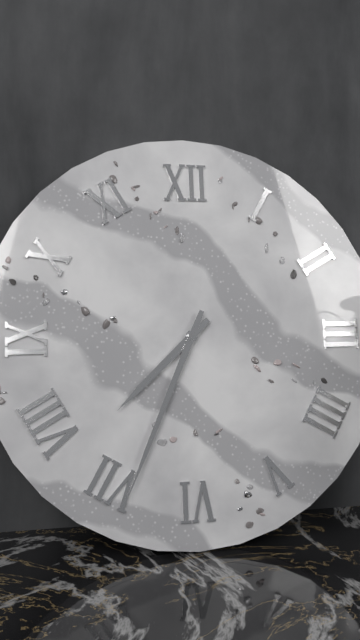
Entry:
7:34
